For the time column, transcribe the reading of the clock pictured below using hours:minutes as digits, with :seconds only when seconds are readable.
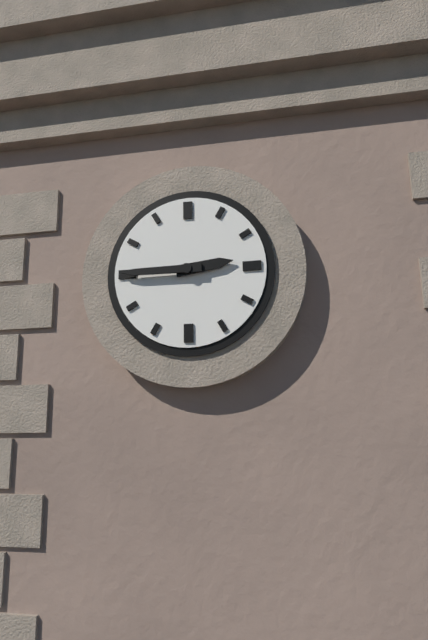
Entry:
2:45
